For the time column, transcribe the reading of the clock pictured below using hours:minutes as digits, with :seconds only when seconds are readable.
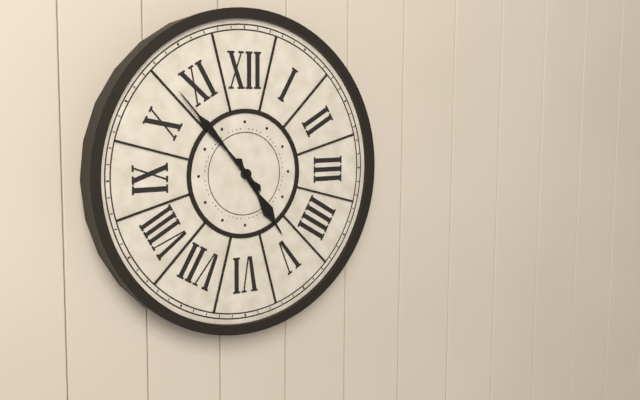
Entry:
4:53
